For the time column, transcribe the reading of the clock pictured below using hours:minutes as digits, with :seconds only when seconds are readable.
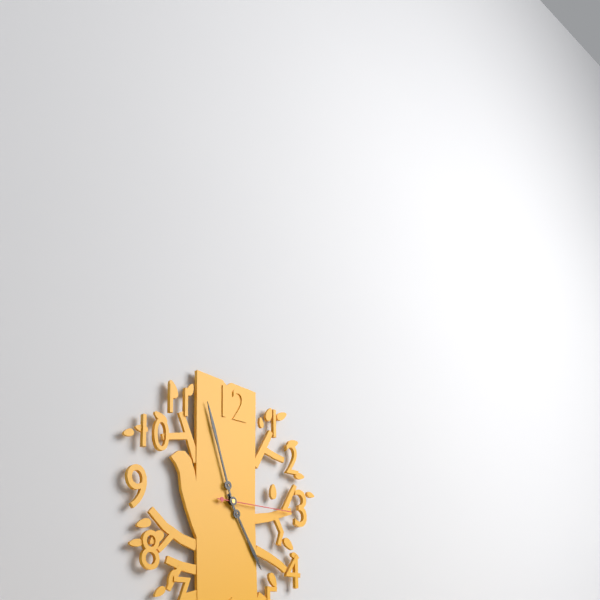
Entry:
4:57:15
